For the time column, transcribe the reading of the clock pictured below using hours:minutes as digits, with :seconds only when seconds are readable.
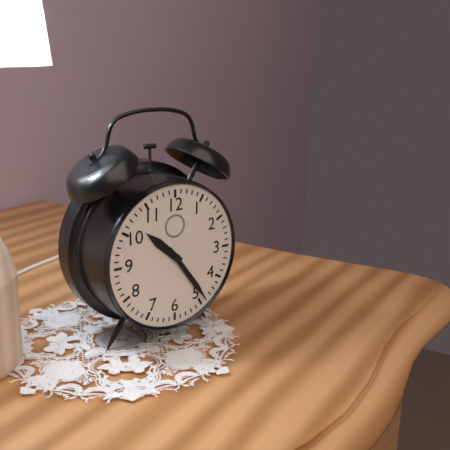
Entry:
10:24
